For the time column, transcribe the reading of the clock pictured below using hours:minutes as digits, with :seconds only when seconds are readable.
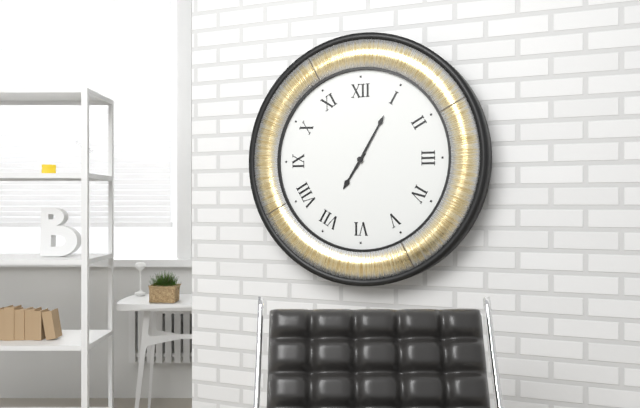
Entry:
7:05
